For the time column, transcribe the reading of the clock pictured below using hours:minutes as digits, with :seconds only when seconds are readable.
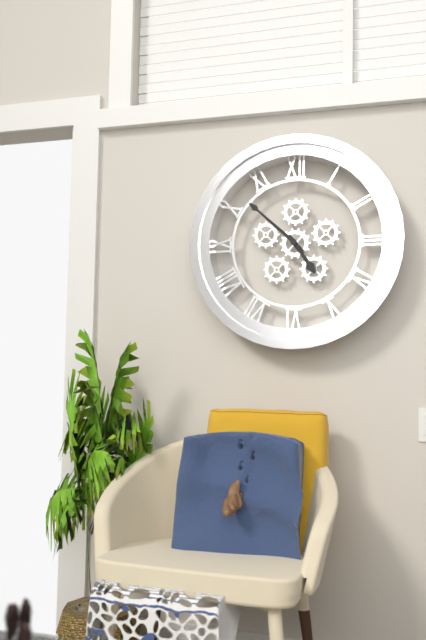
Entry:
4:52
